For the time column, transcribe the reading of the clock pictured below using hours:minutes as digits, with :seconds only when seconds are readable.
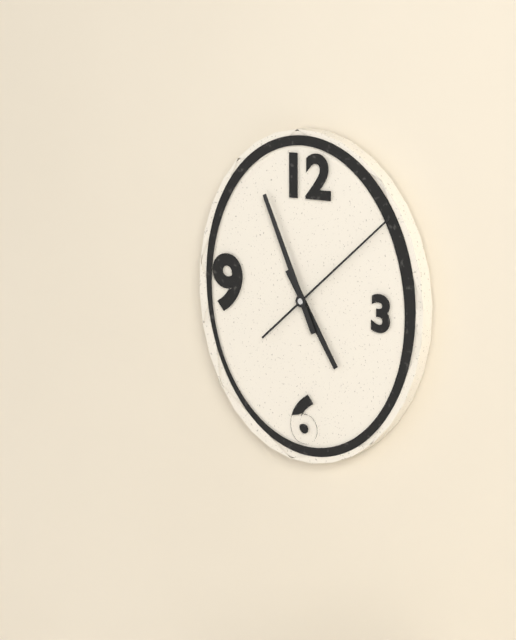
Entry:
4:56:08
